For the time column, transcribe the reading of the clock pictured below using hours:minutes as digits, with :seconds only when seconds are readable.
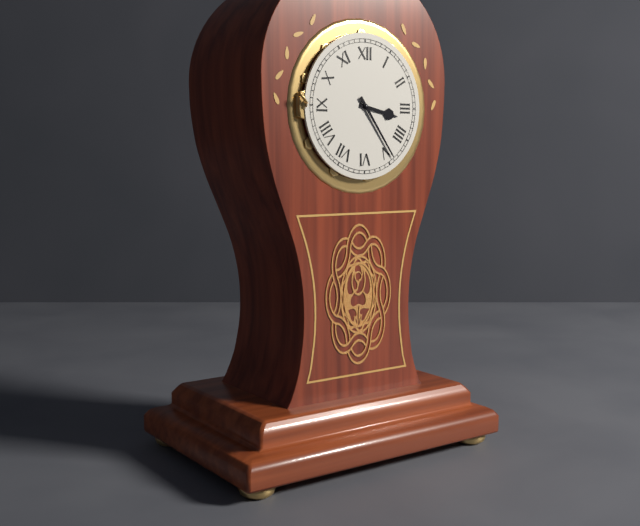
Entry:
3:24
